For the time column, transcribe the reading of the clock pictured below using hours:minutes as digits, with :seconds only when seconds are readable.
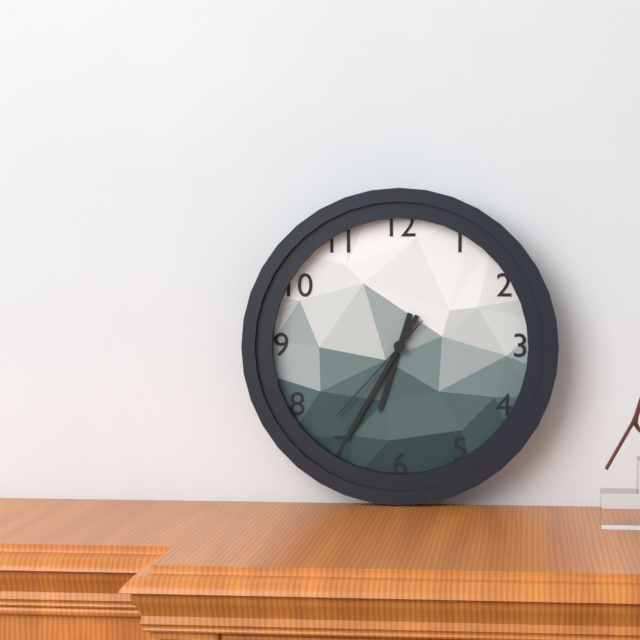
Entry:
6:35:37
